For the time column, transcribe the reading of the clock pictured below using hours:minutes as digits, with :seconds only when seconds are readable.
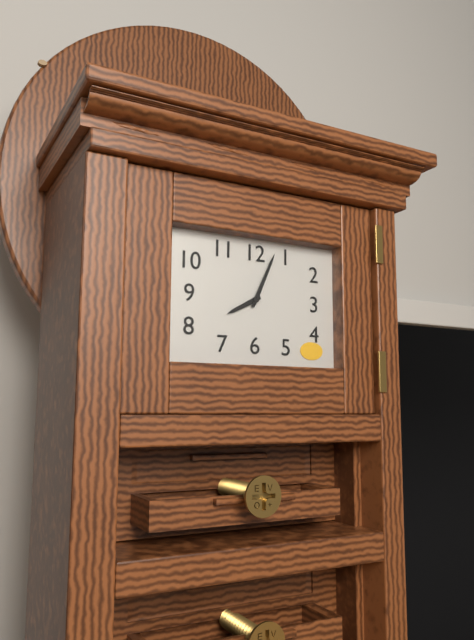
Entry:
8:04
